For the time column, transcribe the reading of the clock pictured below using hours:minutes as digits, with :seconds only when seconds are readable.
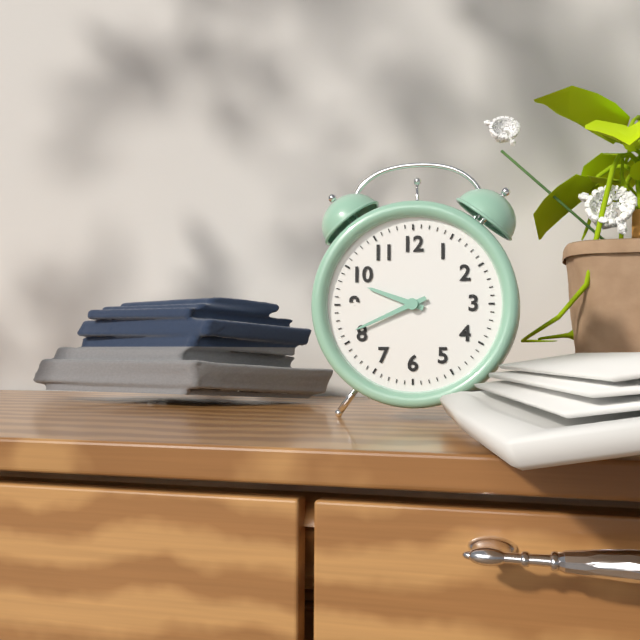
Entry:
9:41
